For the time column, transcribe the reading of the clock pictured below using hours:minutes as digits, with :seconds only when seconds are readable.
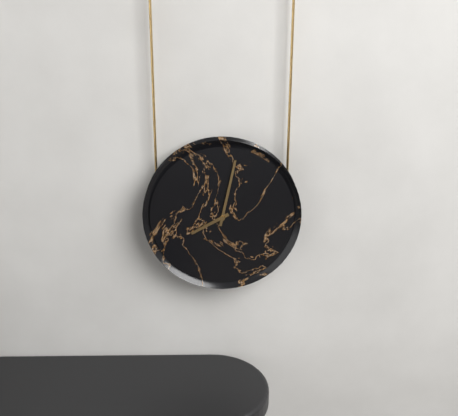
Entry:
8:02
